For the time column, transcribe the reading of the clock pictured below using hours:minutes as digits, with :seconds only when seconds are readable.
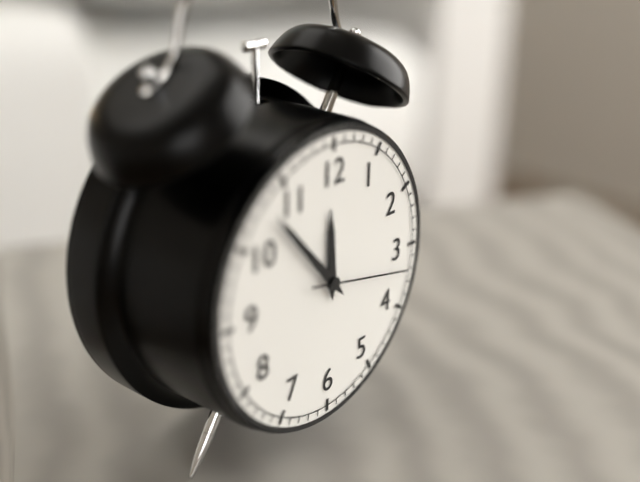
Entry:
11:53:17
